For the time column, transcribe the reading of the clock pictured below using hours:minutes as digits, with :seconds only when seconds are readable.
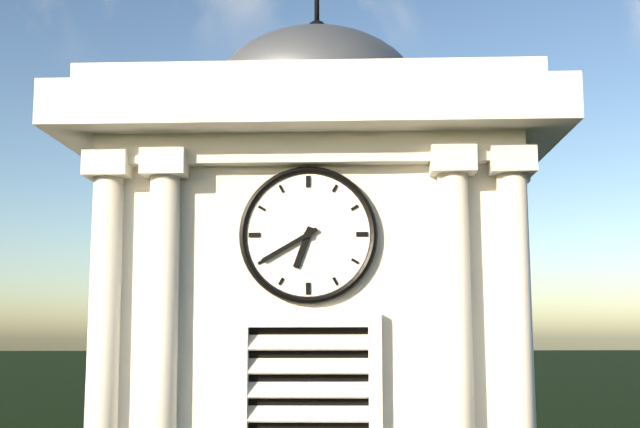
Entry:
6:40
